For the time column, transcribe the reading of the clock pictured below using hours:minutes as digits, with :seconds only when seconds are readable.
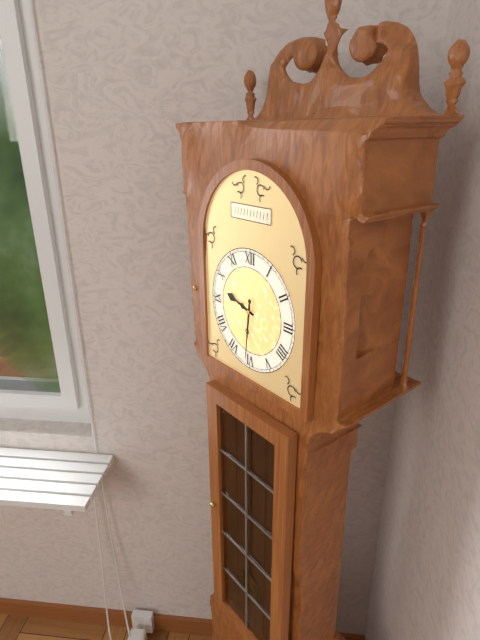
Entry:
9:31
